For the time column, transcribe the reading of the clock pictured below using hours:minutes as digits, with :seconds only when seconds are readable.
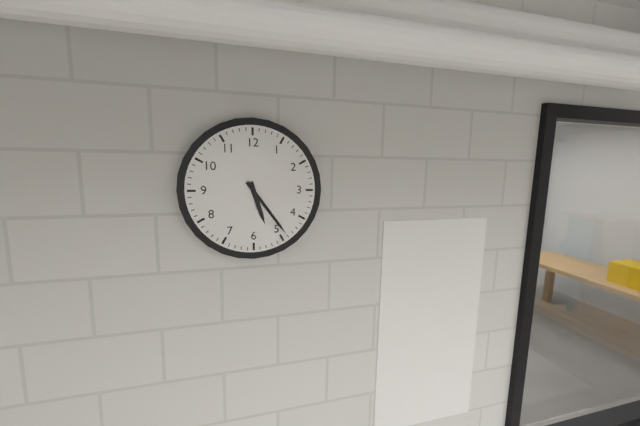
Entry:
5:24
